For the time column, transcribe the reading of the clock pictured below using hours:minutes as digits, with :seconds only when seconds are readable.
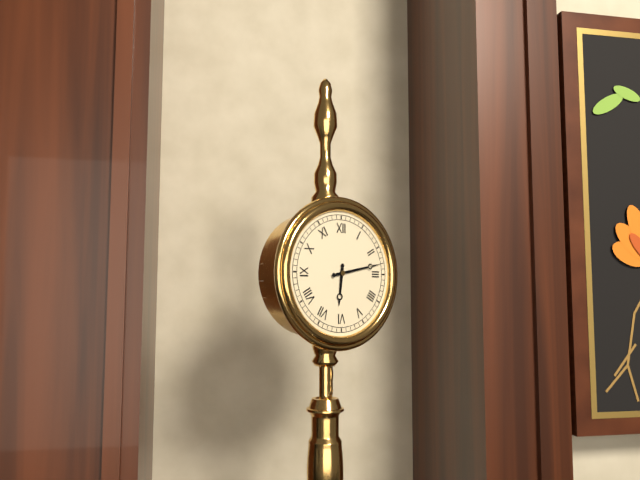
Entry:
6:13
